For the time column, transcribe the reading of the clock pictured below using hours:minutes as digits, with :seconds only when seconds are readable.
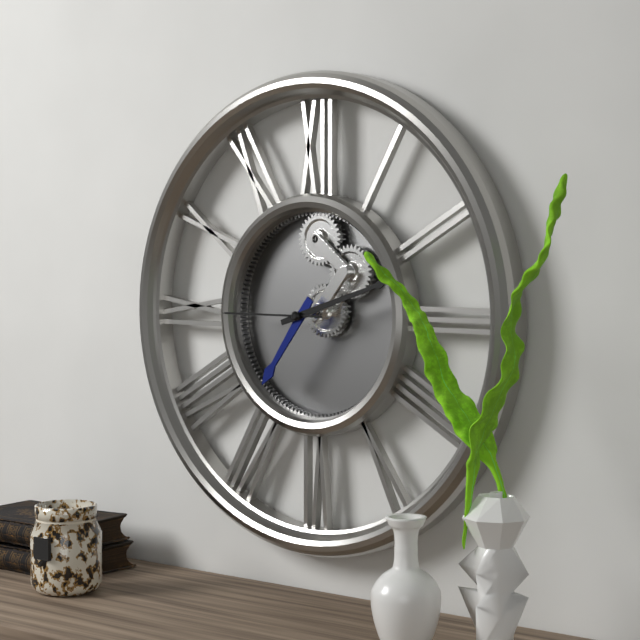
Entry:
7:12:45
